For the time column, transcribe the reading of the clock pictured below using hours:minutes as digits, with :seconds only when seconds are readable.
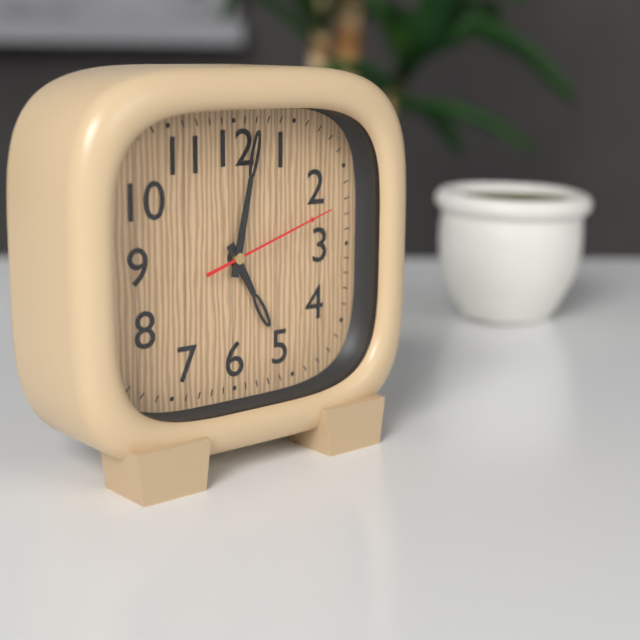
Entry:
5:02:12
